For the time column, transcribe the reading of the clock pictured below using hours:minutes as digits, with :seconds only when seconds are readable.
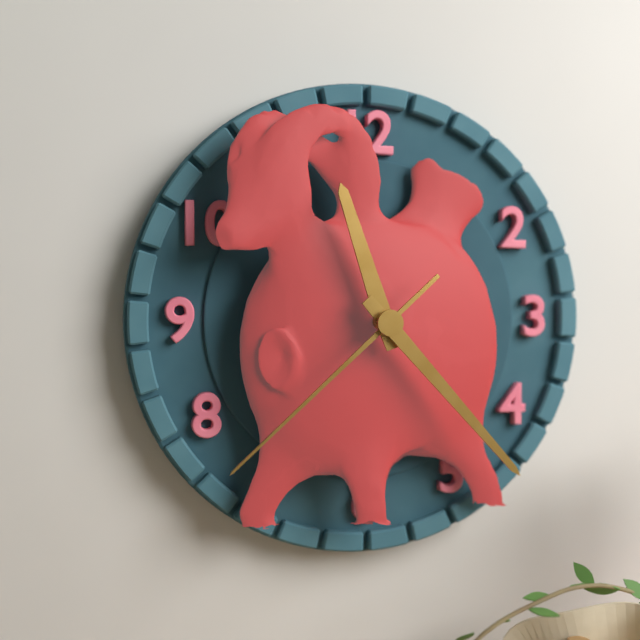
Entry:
11:23:38
